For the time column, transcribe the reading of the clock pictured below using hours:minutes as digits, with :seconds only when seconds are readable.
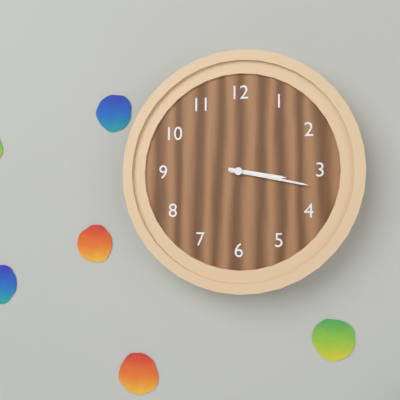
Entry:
3:17
